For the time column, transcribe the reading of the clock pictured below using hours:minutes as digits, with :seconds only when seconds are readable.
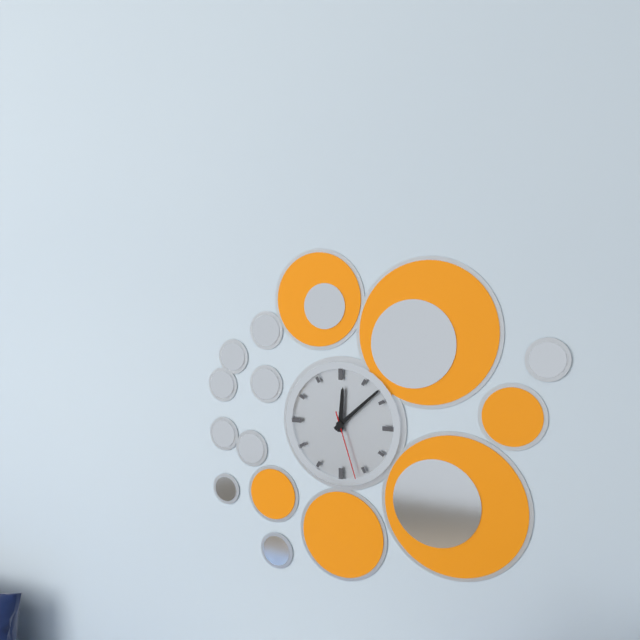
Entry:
12:08:27
